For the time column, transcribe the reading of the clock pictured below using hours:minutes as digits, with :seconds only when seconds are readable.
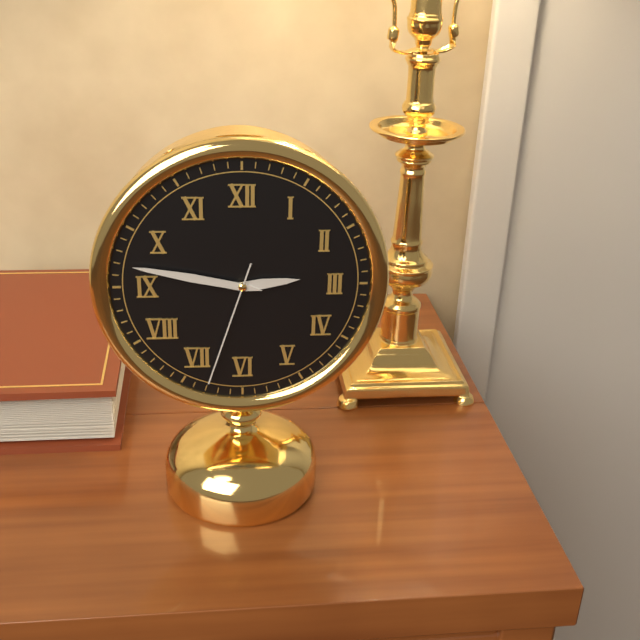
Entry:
2:47:33
